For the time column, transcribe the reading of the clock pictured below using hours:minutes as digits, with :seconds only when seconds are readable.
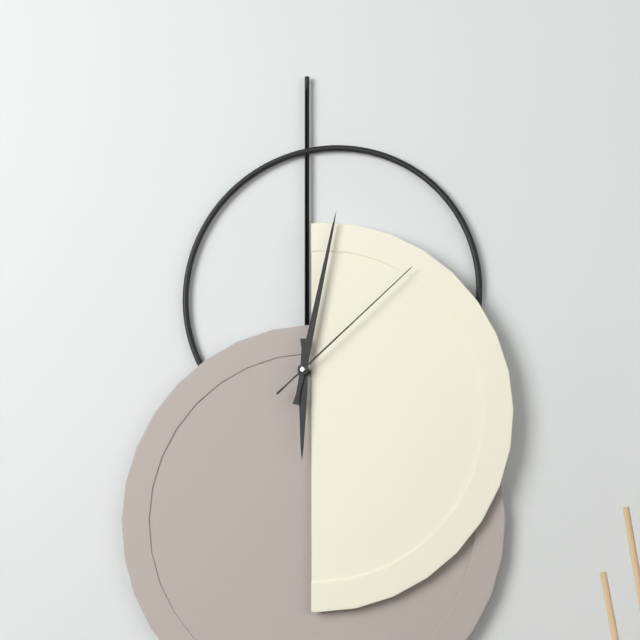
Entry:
6:02:08
